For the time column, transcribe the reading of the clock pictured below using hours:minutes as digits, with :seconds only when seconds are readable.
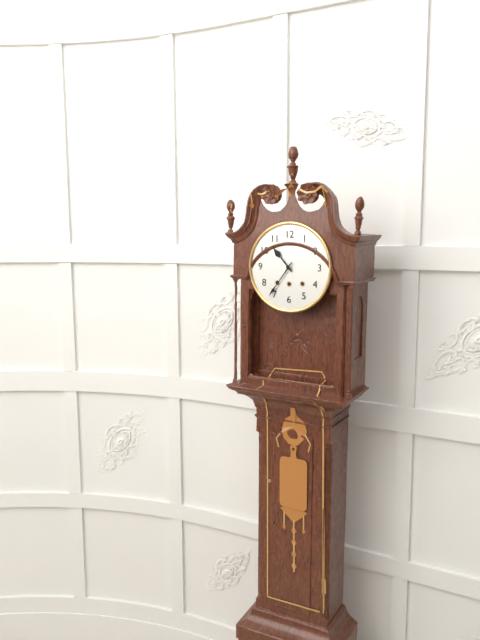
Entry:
10:36
